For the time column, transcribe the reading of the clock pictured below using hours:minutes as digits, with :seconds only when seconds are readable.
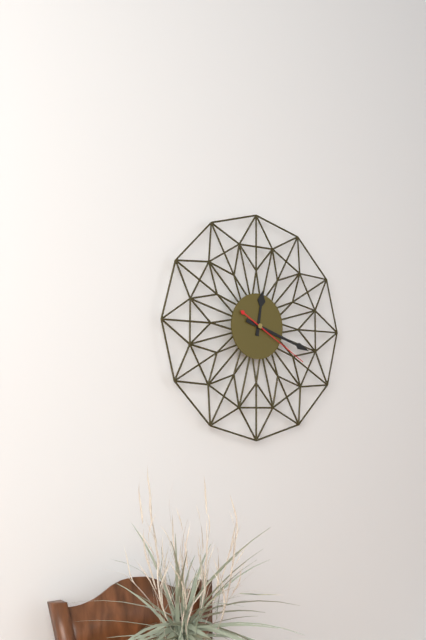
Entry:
12:18:20
